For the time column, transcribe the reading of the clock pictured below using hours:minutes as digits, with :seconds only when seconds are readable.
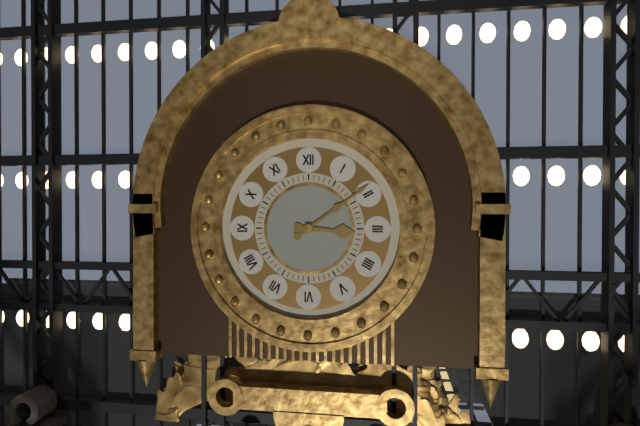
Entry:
3:09
